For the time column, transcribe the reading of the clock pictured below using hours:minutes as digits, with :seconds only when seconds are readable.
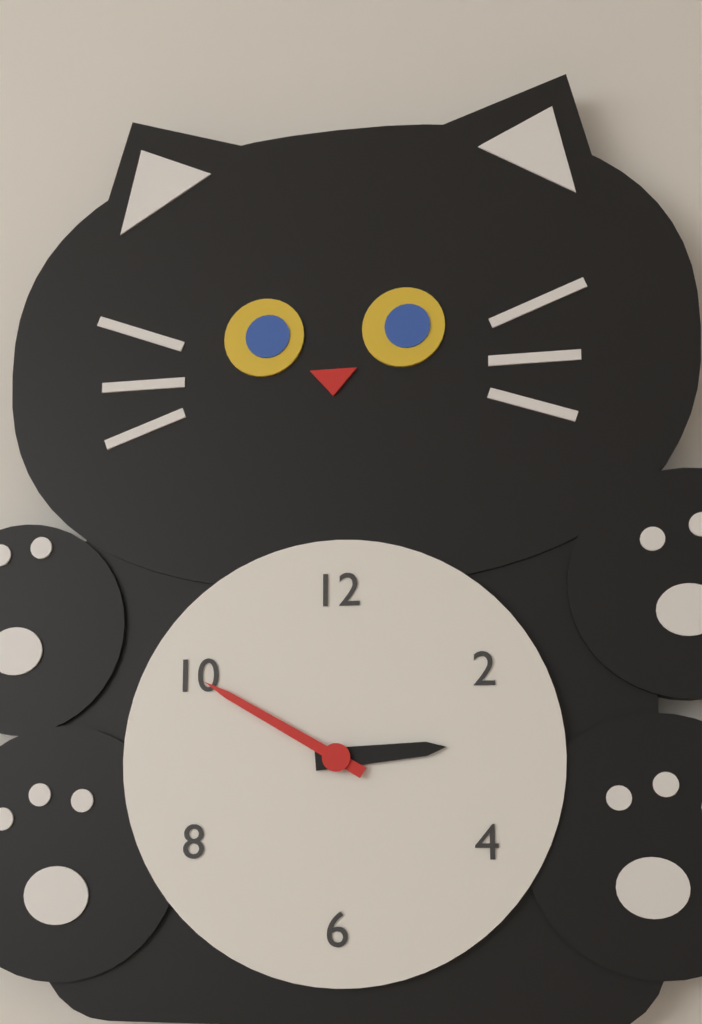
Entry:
2:50
